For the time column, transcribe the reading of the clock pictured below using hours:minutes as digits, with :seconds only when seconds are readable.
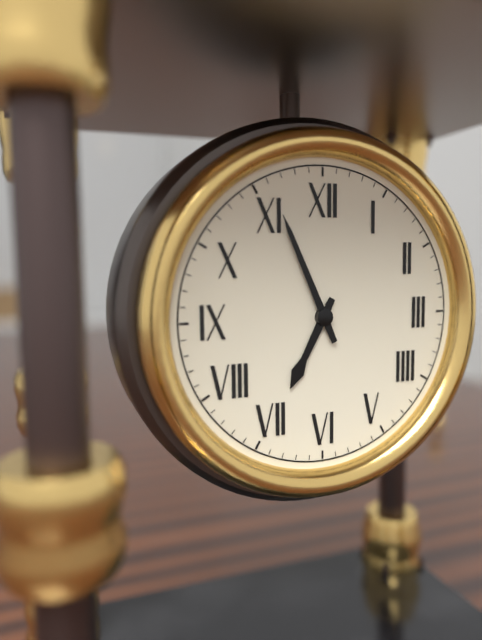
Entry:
6:56
